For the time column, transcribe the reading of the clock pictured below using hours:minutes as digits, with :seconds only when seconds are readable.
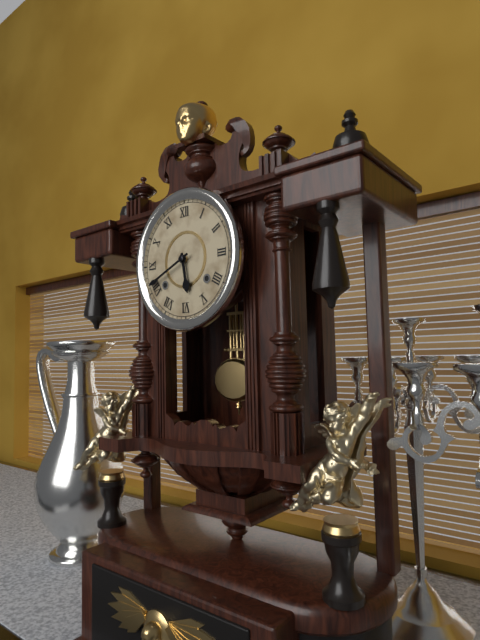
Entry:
5:41
